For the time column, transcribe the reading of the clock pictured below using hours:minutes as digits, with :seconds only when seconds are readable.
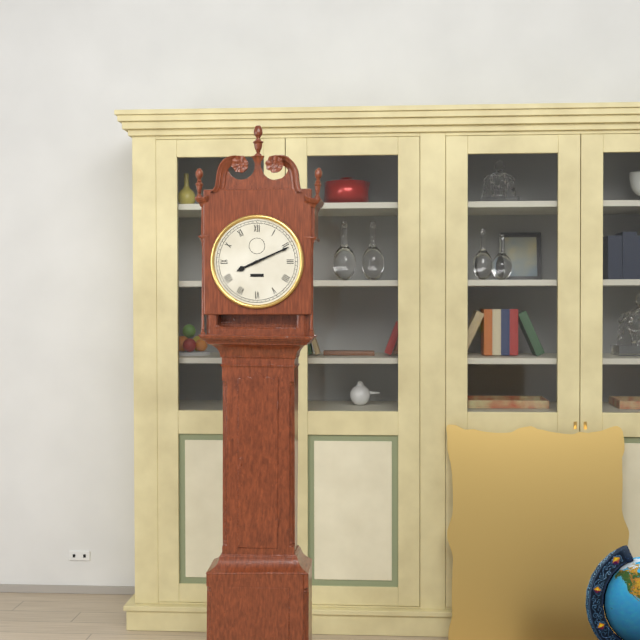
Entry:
8:11
